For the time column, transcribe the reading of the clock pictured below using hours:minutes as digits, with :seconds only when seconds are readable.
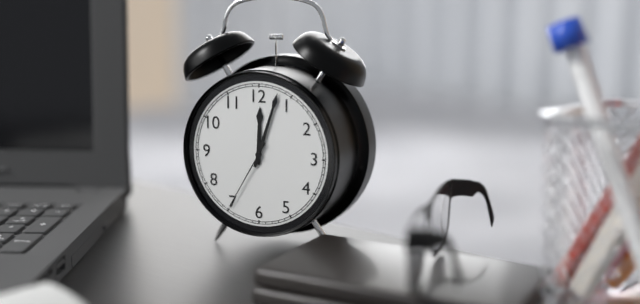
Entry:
12:03:35
